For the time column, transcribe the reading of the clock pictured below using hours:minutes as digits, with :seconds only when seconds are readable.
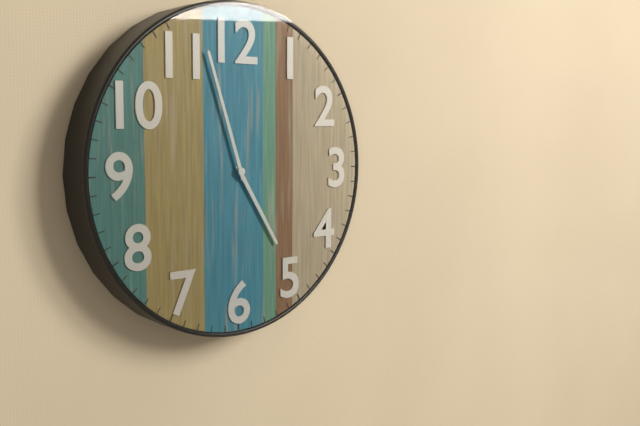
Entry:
4:57
